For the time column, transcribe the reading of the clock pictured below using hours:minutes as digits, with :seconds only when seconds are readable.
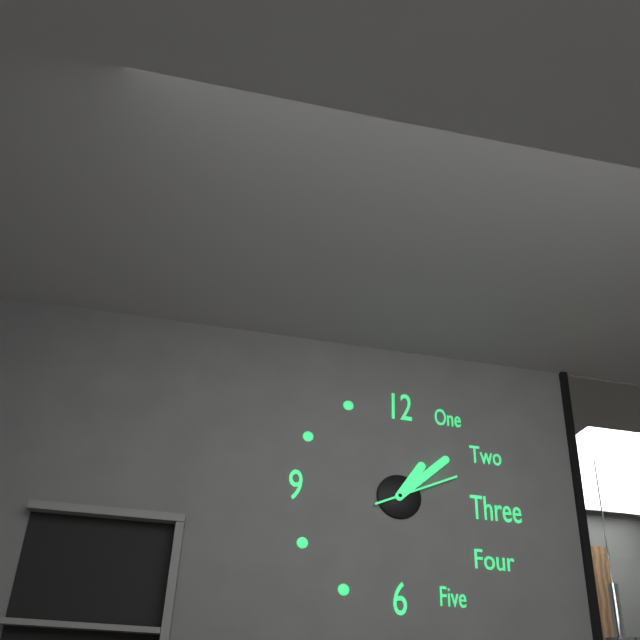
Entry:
1:08:11
